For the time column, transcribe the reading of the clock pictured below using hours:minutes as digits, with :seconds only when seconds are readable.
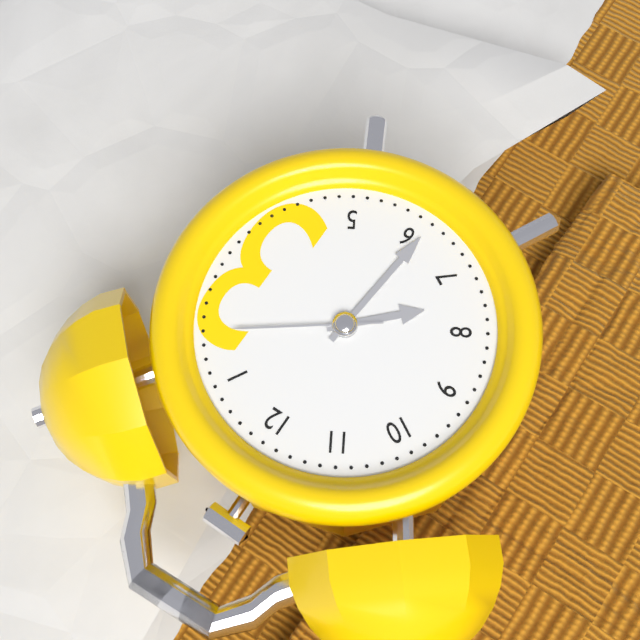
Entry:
7:31:09
